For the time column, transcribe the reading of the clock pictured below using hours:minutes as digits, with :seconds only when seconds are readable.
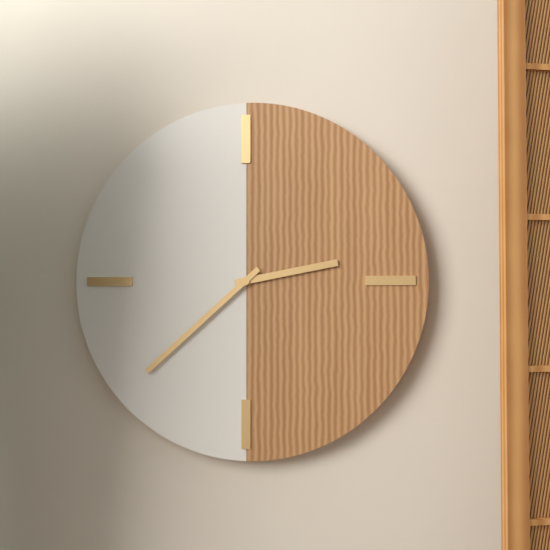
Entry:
2:38
